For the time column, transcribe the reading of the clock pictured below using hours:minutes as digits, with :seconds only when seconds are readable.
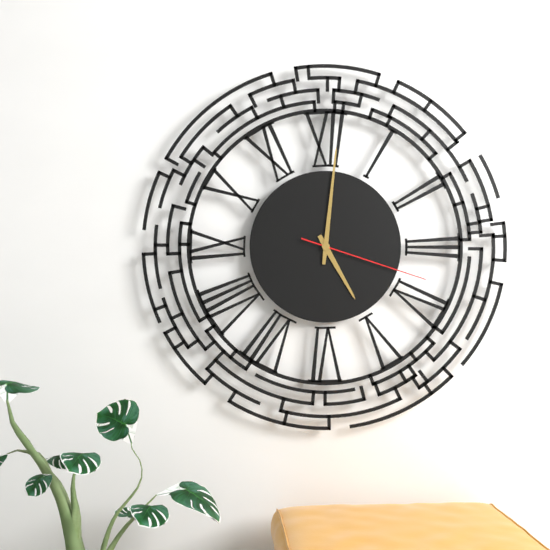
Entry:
5:01:18
